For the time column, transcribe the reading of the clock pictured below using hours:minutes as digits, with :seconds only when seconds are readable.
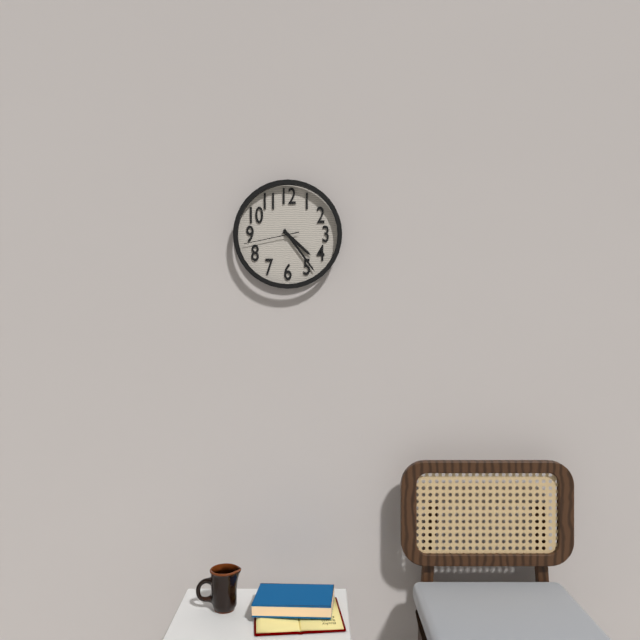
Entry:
4:24:43
